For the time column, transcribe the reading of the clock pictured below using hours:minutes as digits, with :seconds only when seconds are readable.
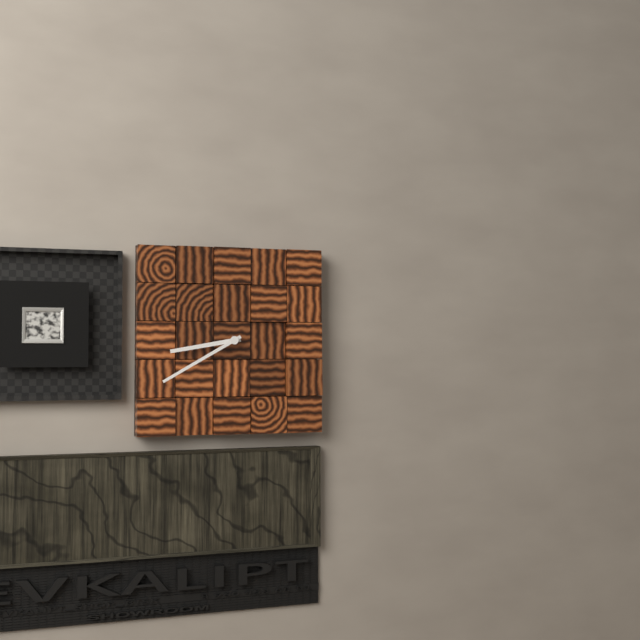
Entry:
8:40
